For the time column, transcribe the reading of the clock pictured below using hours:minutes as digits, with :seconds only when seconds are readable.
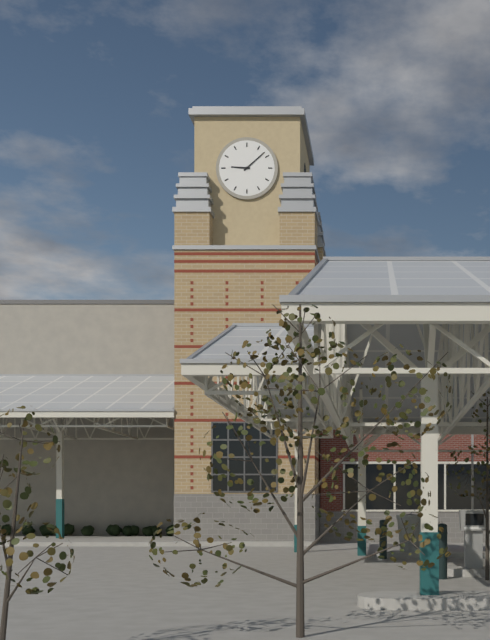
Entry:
9:08
